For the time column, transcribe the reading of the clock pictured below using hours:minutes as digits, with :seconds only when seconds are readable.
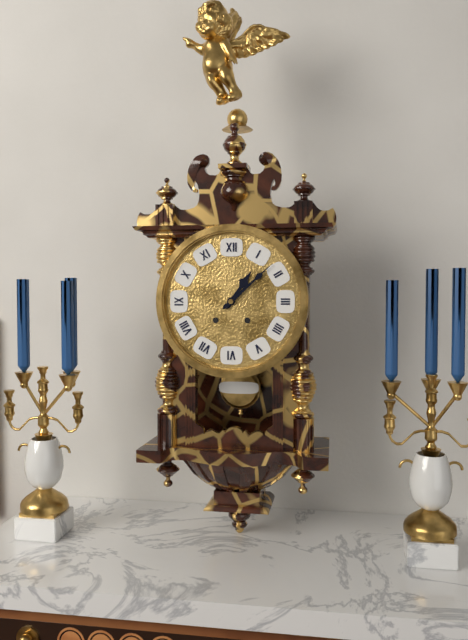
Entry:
1:08
